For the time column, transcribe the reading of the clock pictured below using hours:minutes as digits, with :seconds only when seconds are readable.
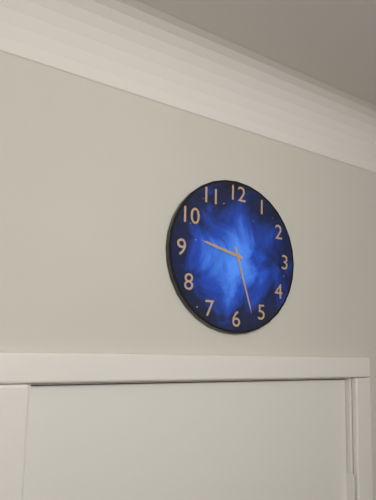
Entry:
9:27
